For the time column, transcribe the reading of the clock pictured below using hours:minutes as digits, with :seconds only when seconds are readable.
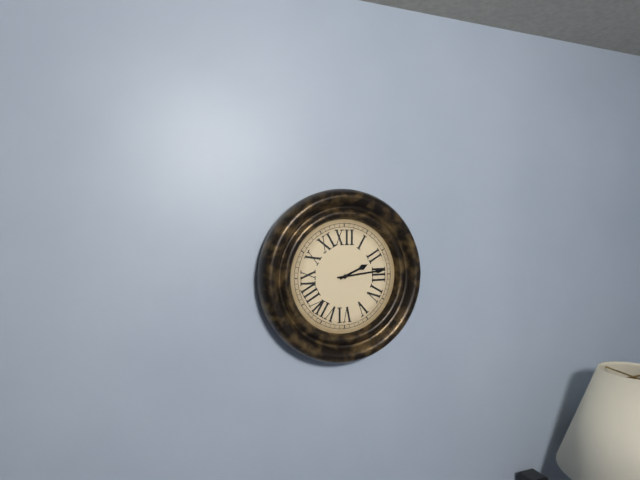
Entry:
2:14
